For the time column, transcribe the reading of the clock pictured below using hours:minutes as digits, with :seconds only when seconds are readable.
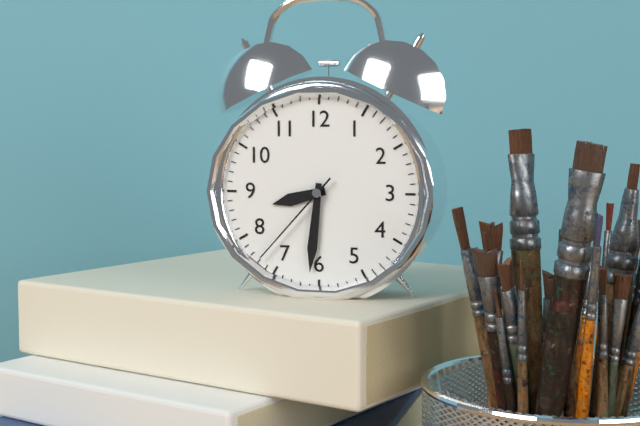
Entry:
8:31:37
